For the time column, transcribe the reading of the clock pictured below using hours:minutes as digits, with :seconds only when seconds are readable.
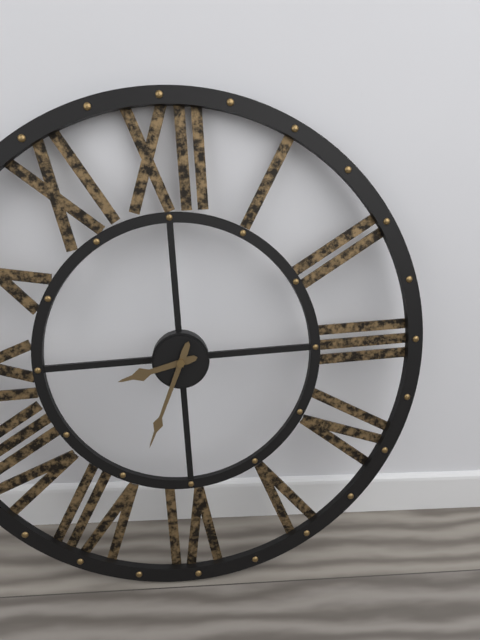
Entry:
8:34
